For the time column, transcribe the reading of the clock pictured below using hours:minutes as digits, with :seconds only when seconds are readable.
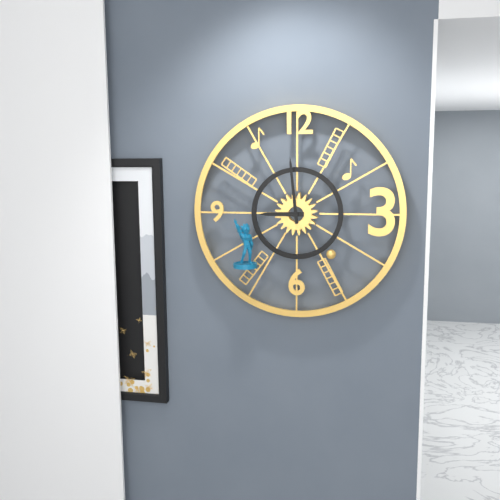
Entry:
8:59
